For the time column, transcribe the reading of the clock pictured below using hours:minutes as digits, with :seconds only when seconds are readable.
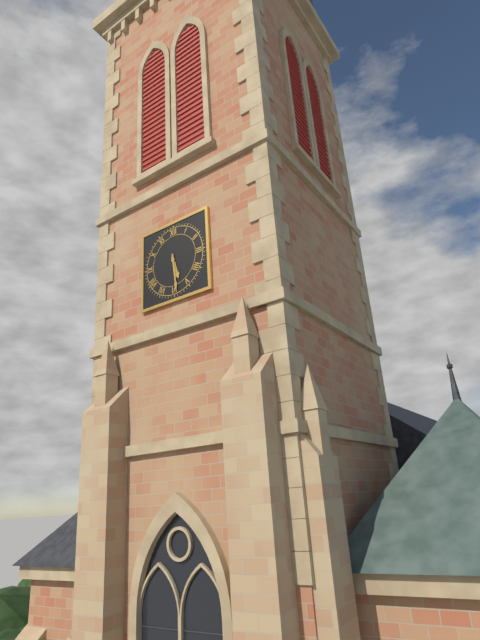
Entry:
5:29
